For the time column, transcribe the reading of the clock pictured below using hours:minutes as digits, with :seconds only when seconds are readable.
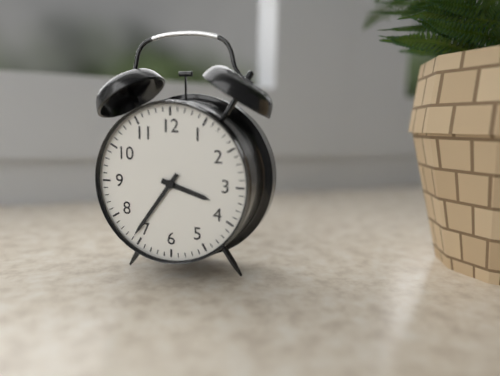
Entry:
3:36
